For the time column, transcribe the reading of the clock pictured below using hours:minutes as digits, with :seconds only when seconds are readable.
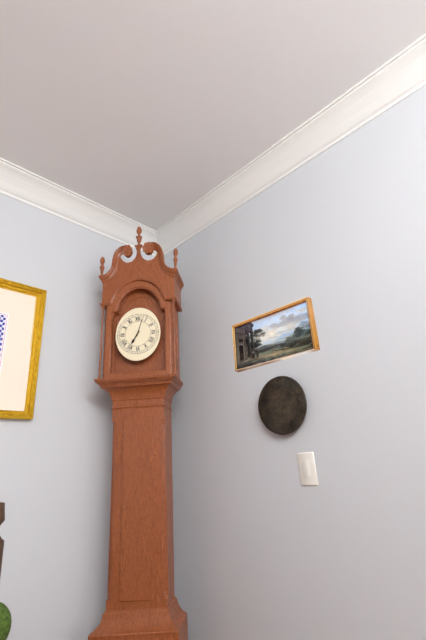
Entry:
7:03
